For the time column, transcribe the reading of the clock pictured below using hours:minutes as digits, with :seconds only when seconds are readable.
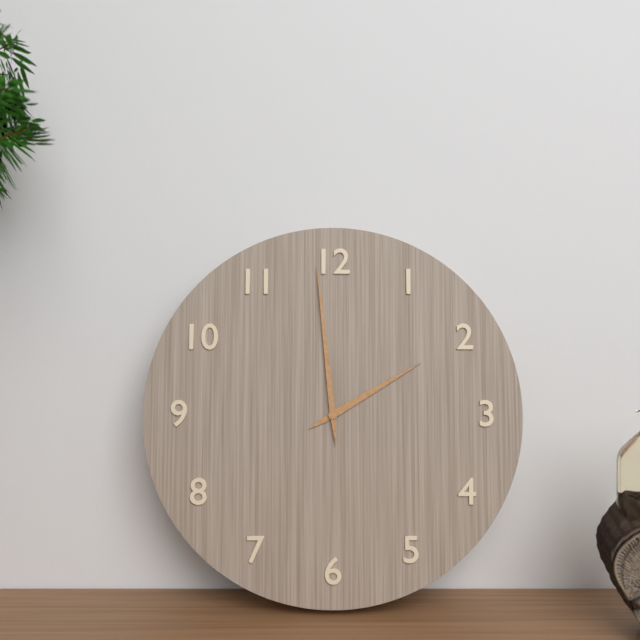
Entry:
1:59
